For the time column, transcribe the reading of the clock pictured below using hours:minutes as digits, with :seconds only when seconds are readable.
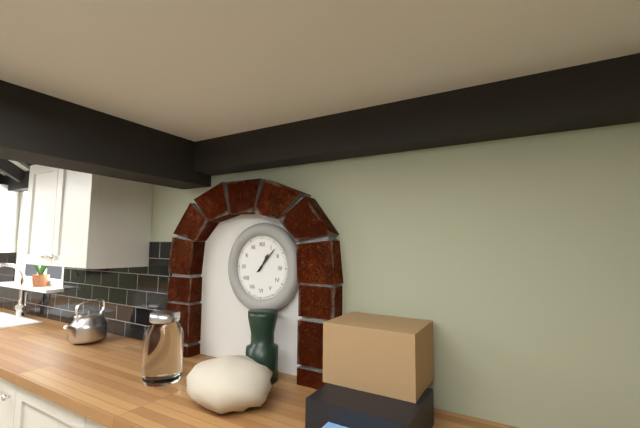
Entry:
1:07
